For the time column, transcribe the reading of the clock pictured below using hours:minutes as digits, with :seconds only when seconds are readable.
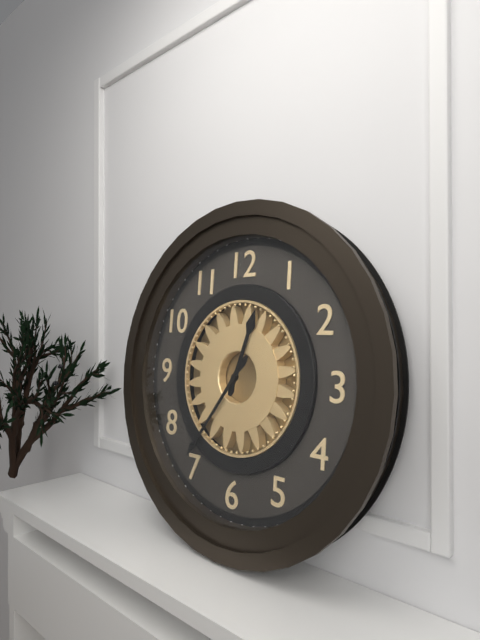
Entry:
12:36
